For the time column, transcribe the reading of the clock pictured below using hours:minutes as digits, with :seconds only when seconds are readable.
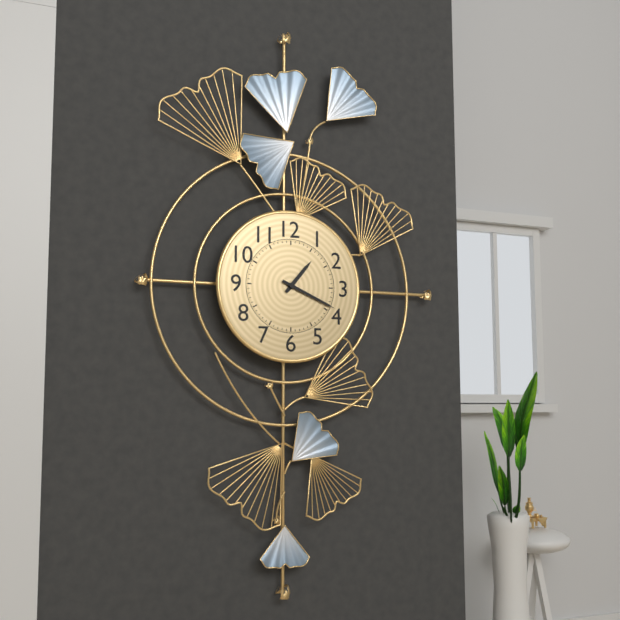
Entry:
1:19
